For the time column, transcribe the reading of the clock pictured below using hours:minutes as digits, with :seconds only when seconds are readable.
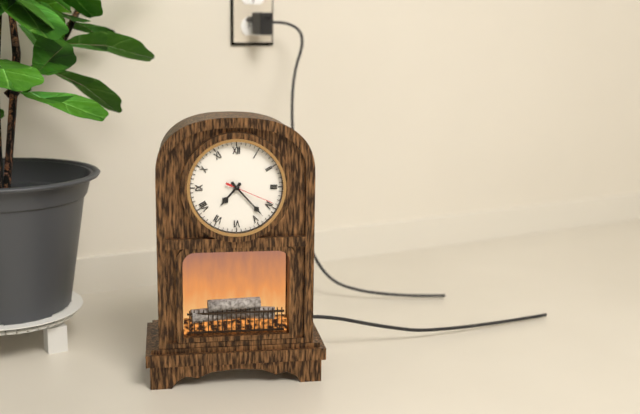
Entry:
7:23:19
